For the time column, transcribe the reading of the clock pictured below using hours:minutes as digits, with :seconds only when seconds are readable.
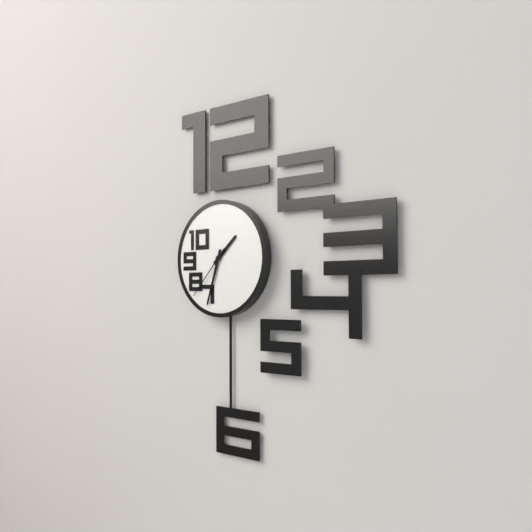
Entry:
1:33:37
